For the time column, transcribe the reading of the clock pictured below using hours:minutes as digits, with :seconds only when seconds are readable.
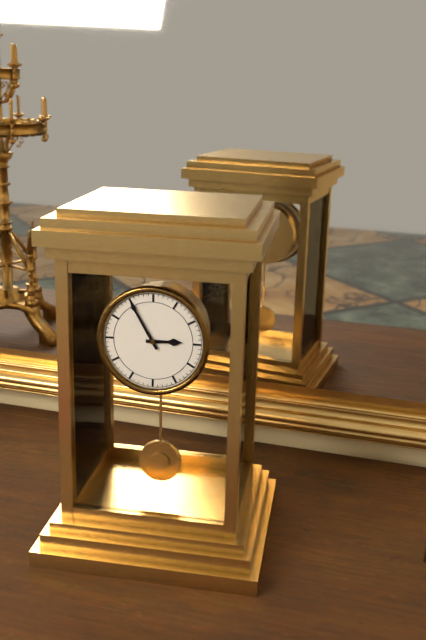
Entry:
2:55
